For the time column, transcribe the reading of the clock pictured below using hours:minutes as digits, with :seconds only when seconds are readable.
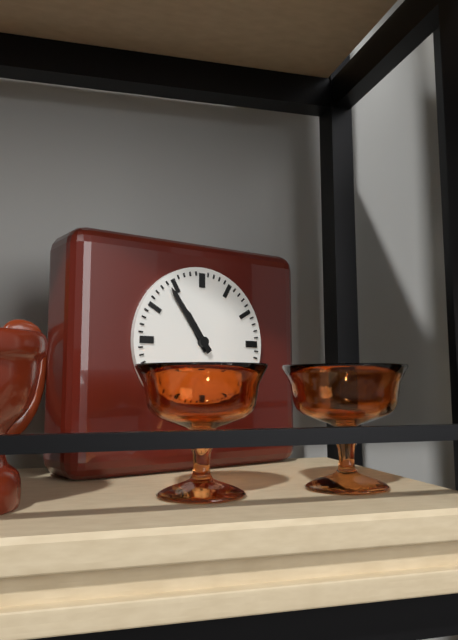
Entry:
10:54
